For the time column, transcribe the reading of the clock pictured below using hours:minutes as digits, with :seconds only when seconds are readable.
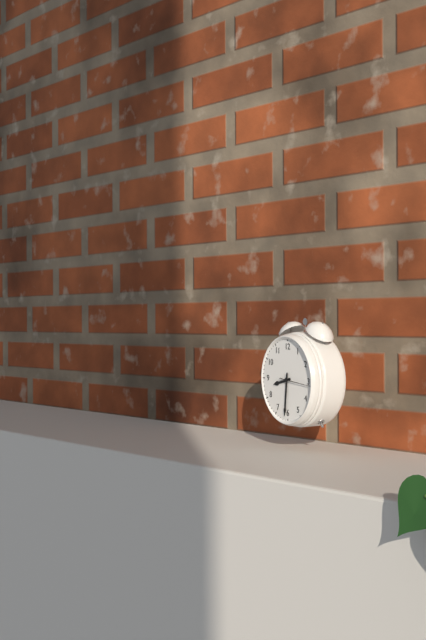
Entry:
8:31
